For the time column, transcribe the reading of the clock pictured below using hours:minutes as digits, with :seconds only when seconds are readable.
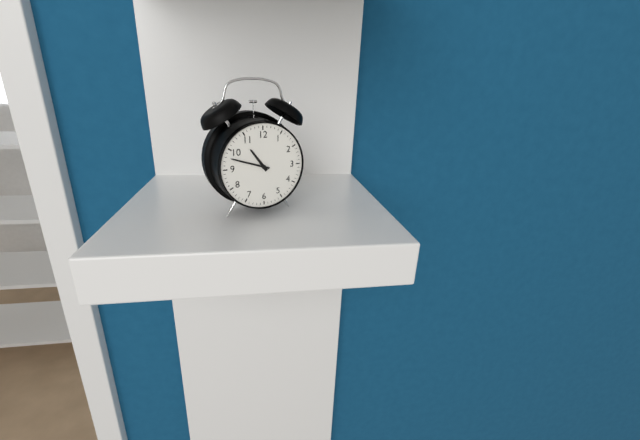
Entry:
10:48
